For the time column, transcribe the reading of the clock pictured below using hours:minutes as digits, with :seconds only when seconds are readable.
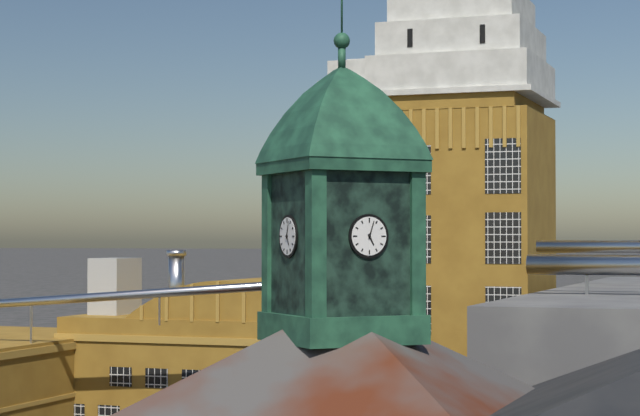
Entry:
5:03
